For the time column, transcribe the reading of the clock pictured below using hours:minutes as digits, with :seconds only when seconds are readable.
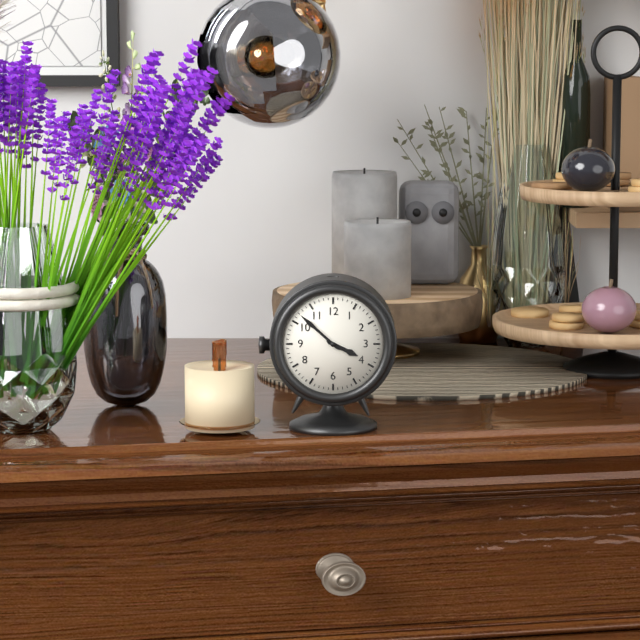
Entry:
3:52
